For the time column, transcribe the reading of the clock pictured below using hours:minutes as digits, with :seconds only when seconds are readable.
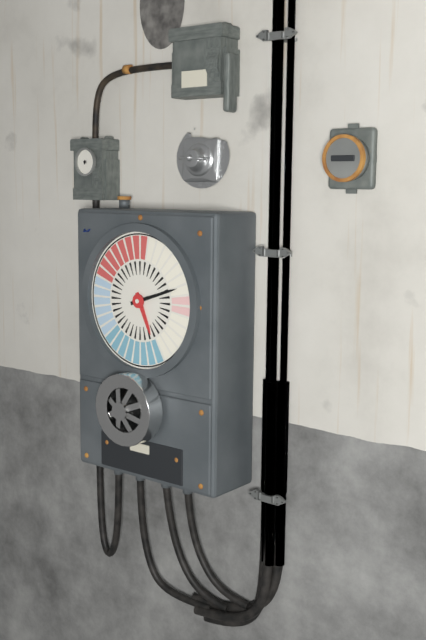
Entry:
5:12
